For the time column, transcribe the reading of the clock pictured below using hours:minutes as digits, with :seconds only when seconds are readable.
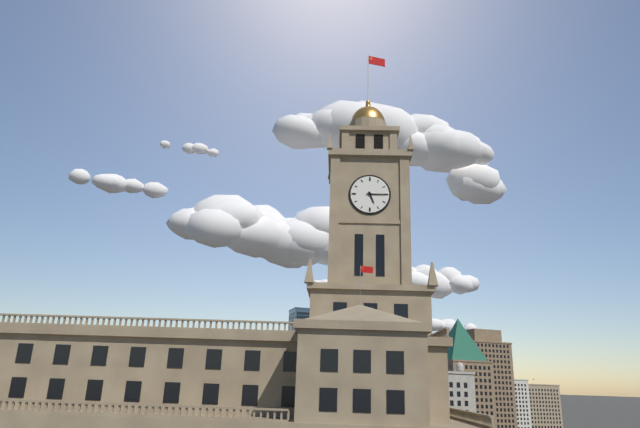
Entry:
5:15
